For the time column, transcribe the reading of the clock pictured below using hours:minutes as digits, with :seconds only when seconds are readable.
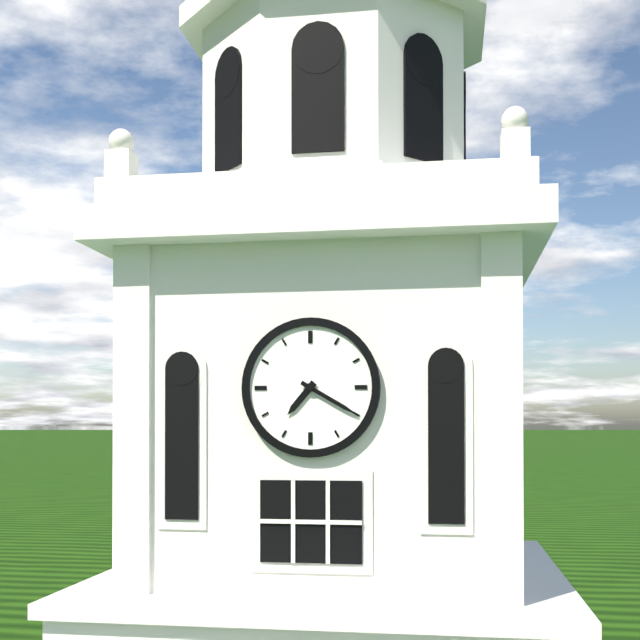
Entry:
7:20
